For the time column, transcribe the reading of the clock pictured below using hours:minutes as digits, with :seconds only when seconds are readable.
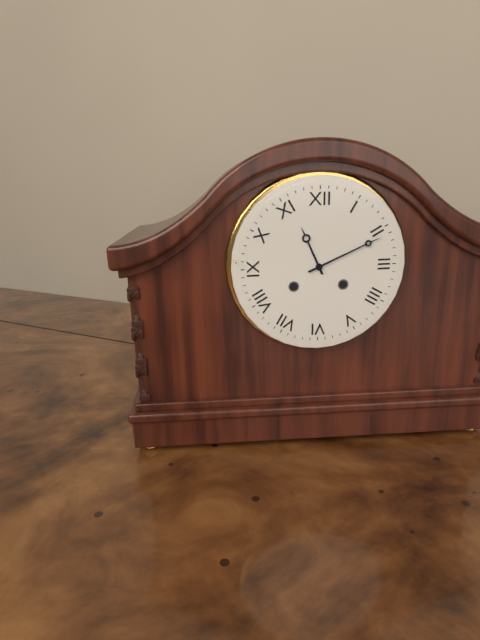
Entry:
11:11
